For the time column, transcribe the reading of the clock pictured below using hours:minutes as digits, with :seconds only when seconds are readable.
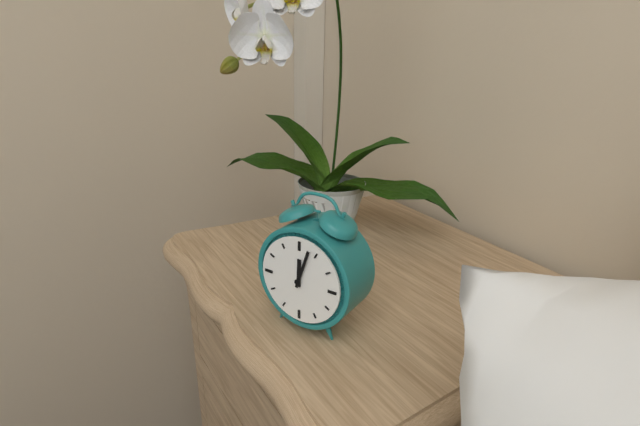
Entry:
12:03
